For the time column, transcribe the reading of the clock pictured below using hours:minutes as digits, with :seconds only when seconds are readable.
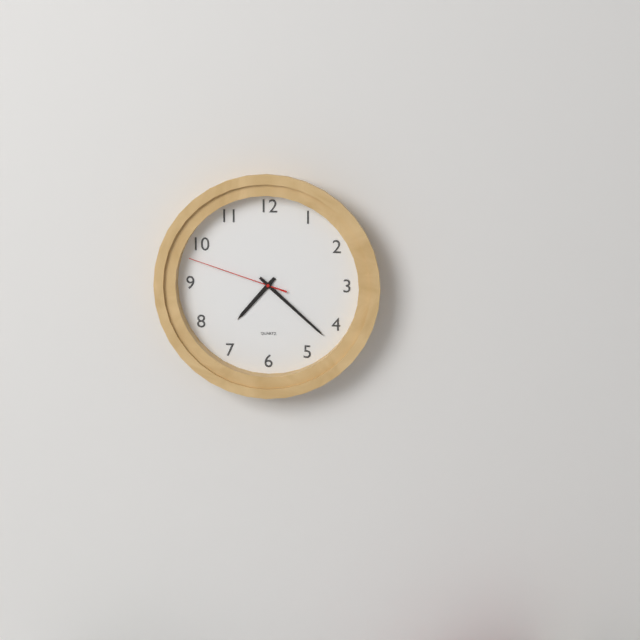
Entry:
7:22:48
